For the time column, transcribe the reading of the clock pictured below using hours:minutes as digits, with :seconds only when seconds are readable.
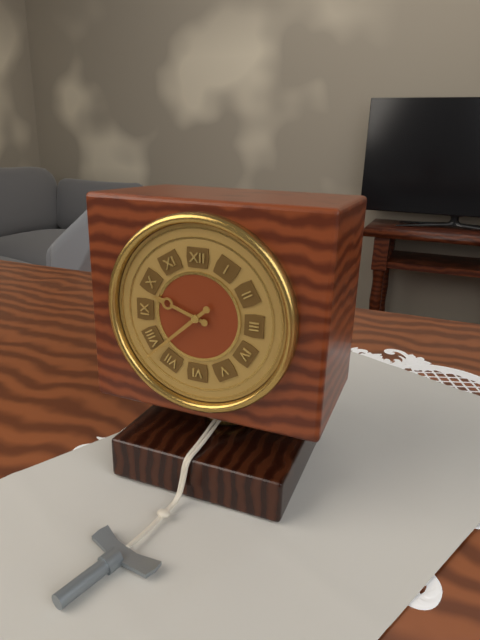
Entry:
9:38
